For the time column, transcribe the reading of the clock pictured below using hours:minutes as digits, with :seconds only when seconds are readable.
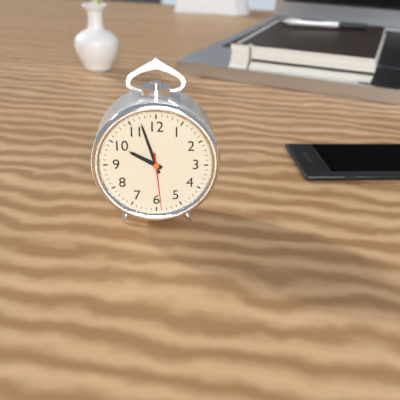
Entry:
9:57:29
